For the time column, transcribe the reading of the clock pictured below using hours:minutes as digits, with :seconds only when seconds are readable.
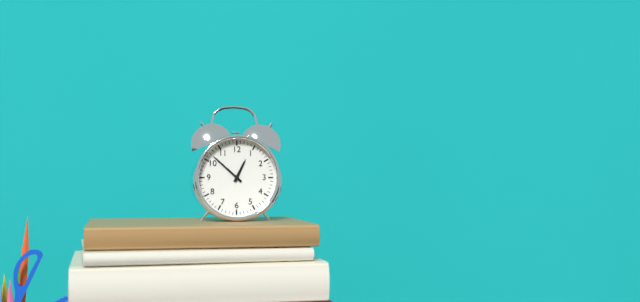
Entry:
12:52
